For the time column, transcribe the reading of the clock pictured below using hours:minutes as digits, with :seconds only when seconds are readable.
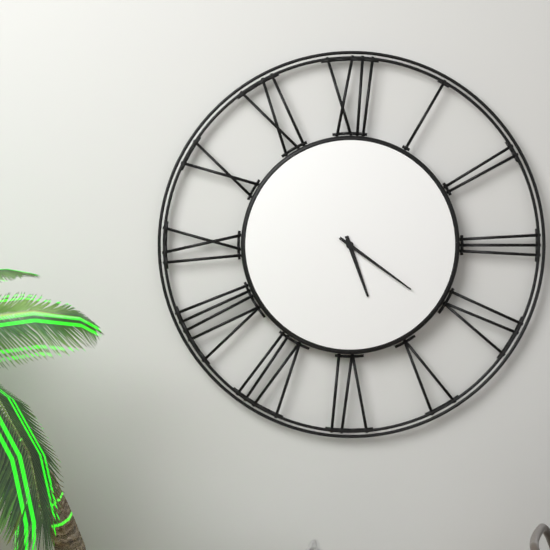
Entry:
5:21
